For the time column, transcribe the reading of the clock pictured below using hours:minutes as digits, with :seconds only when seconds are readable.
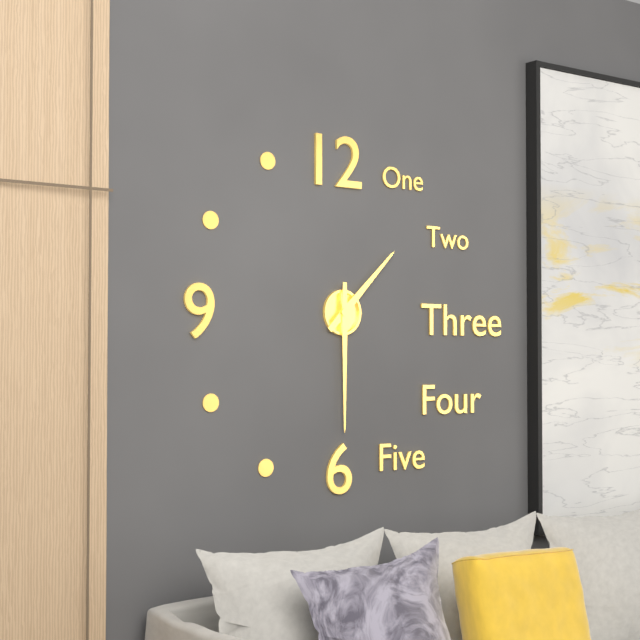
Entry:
1:30
